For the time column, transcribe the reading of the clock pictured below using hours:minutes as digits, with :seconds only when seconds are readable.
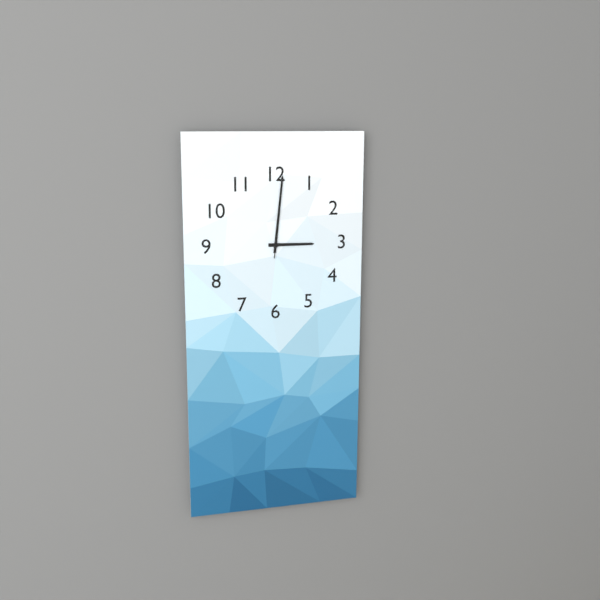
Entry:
3:01:01
